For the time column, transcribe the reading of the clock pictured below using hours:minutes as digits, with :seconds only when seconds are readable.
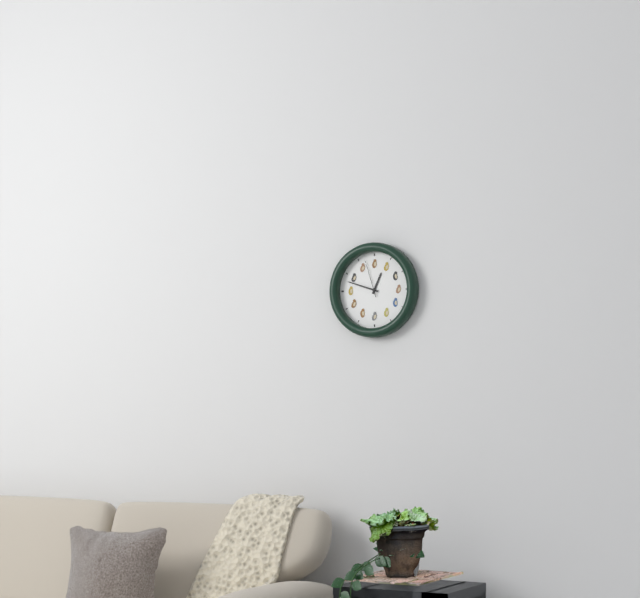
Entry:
12:48
